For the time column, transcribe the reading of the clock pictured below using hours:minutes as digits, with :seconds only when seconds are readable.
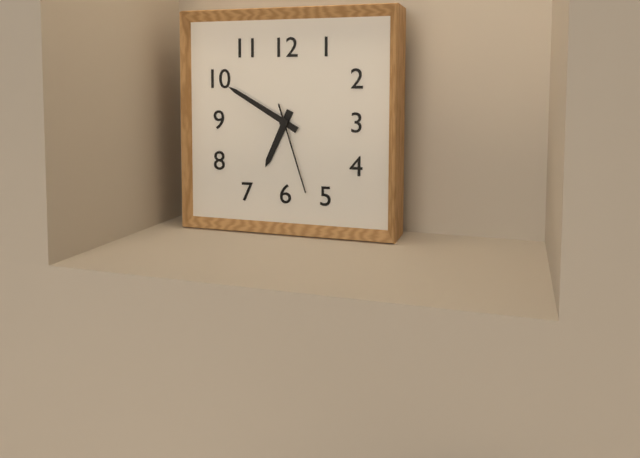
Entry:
6:50:27
